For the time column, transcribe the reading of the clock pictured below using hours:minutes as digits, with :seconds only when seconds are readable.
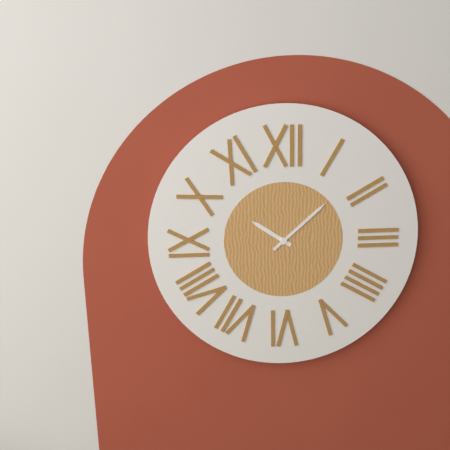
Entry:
10:08
